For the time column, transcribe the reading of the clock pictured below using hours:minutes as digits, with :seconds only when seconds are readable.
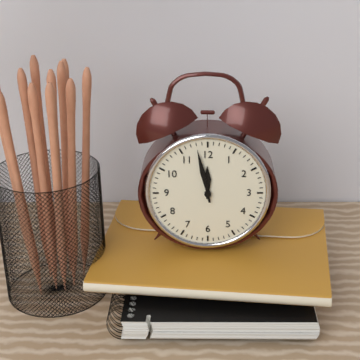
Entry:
11:58
